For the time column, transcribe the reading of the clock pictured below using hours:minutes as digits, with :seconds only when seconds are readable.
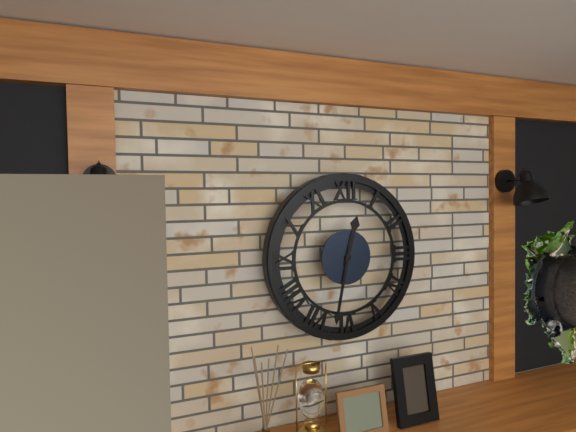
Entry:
12:32
